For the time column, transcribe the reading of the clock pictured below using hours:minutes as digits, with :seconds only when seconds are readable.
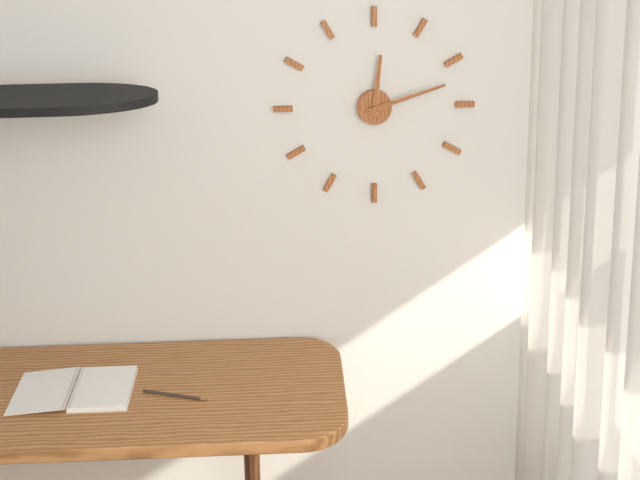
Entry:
12:12
